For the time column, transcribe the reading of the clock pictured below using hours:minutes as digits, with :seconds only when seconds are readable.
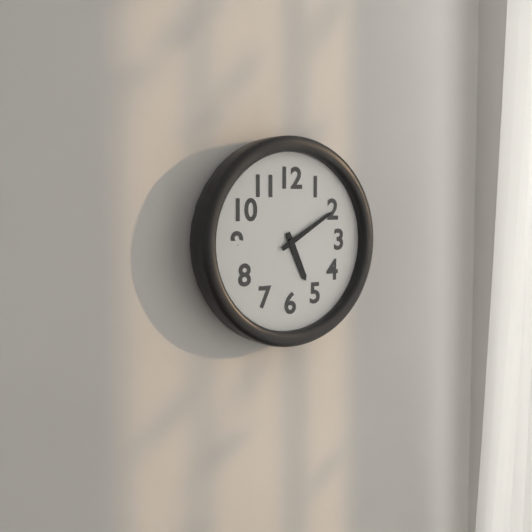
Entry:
5:10
